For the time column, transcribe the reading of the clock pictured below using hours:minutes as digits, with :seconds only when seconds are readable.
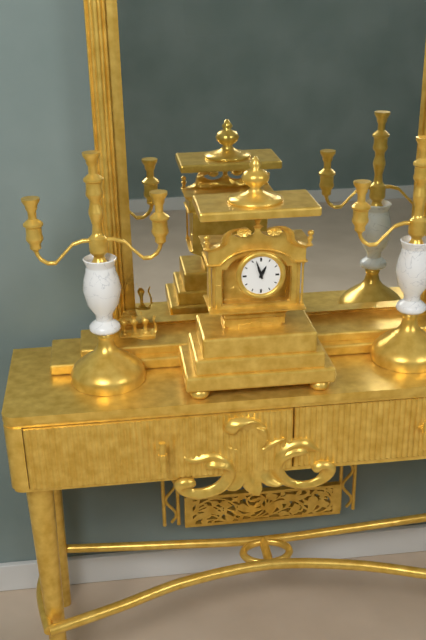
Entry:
12:57
